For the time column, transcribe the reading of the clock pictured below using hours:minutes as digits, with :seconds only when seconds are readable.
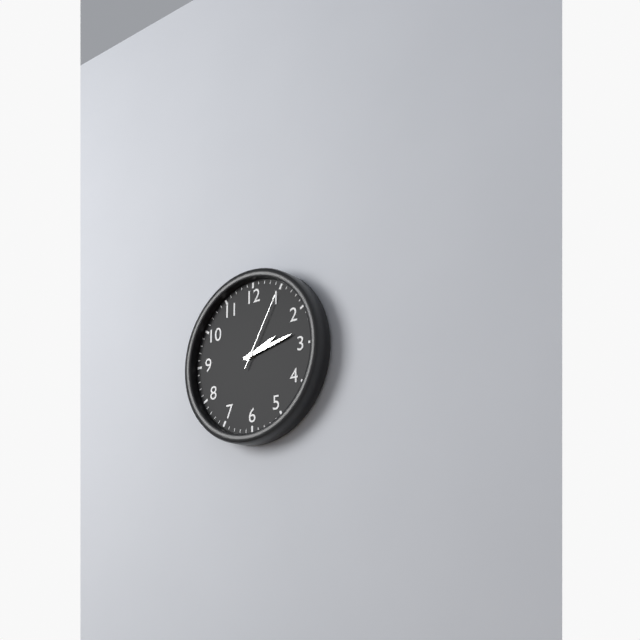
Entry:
2:13:05
